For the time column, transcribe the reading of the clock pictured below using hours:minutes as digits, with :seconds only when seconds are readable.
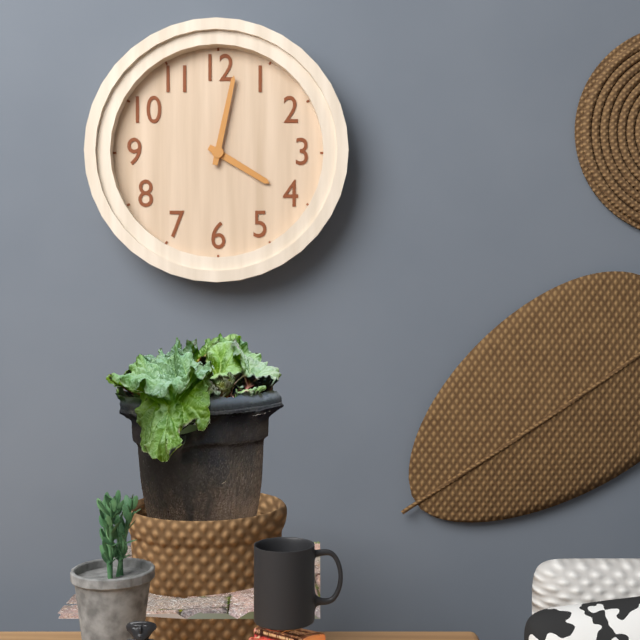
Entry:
4:02
